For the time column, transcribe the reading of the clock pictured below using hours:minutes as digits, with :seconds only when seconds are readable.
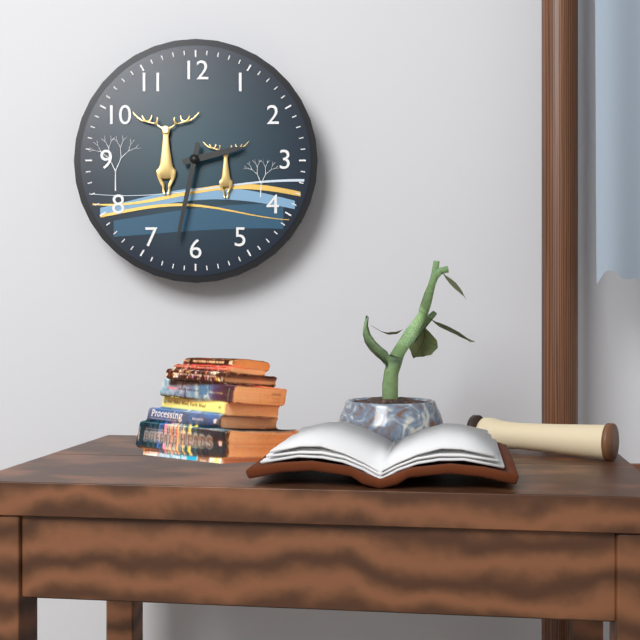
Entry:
2:32
